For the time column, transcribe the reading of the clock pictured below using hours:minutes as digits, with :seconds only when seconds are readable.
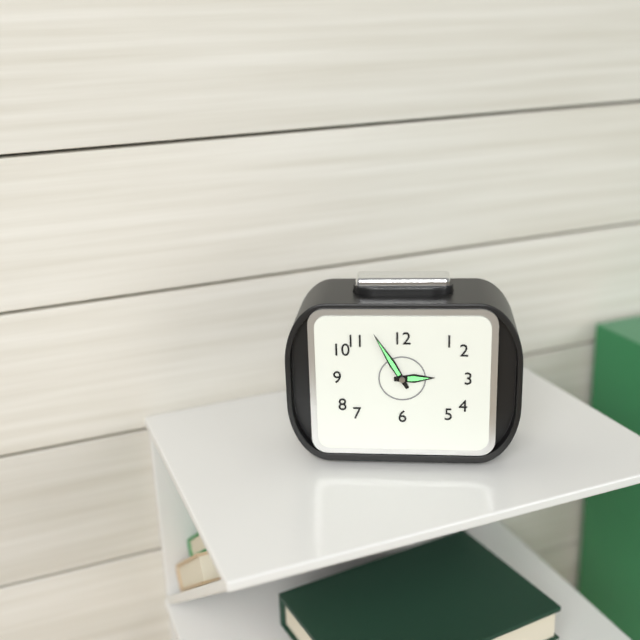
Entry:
2:55
